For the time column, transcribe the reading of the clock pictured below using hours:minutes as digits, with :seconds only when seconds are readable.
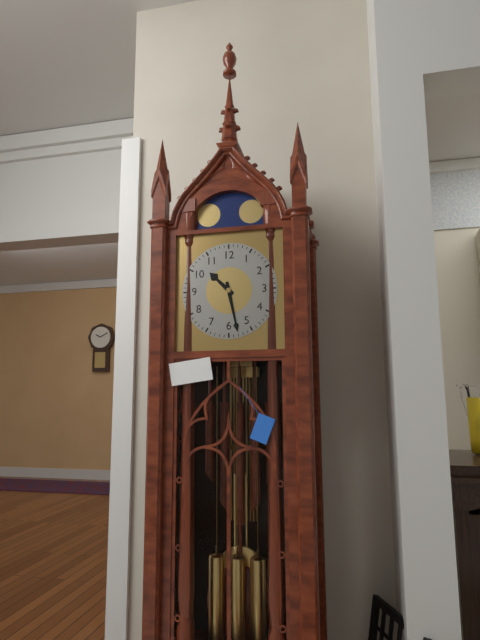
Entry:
10:28
